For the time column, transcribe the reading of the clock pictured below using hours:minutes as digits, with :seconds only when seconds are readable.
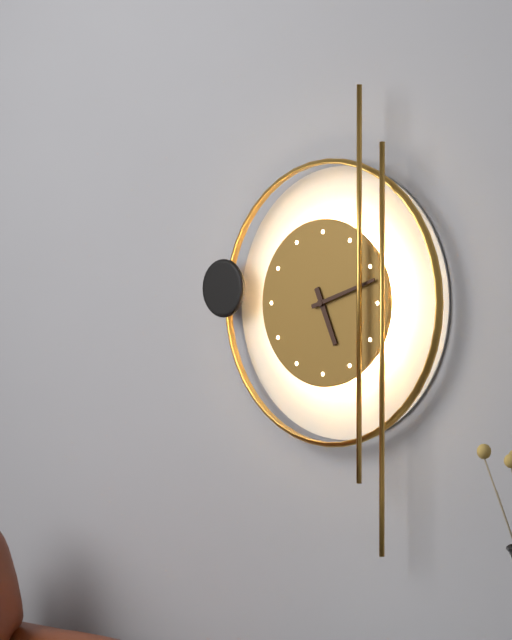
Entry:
5:12
